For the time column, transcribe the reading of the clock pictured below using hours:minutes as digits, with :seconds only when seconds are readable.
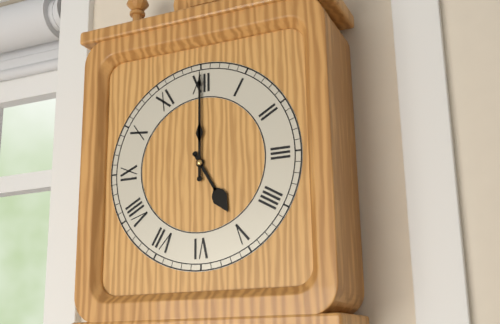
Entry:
5:00
